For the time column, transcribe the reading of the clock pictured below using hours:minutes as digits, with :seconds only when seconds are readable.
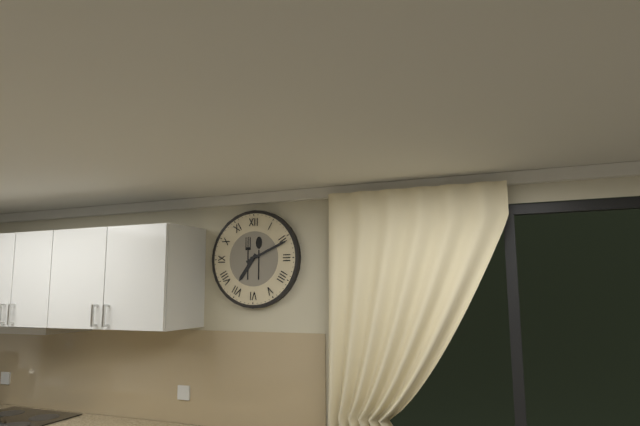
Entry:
7:11
